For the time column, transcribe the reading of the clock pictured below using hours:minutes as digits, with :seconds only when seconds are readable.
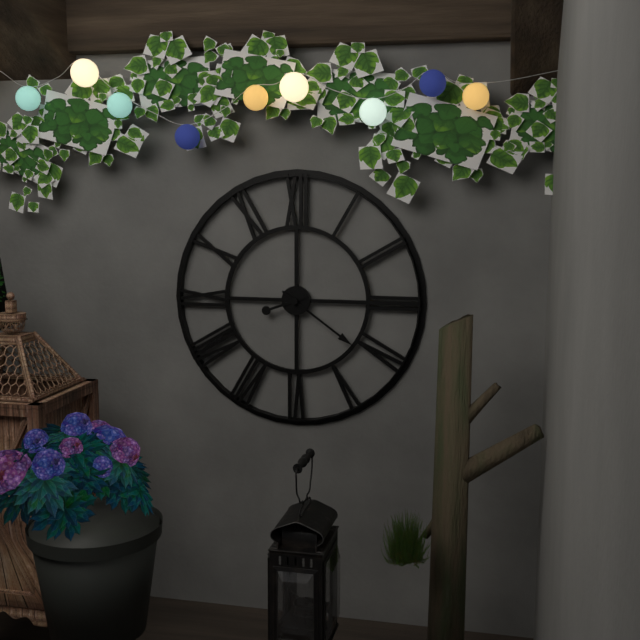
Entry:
8:21
